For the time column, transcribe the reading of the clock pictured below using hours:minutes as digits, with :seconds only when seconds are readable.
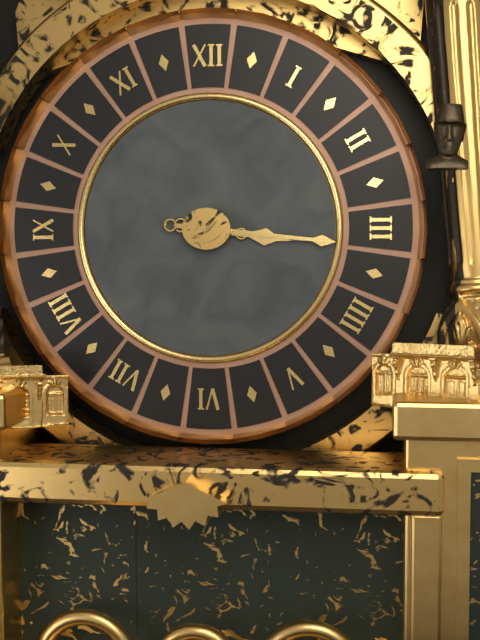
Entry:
3:16
